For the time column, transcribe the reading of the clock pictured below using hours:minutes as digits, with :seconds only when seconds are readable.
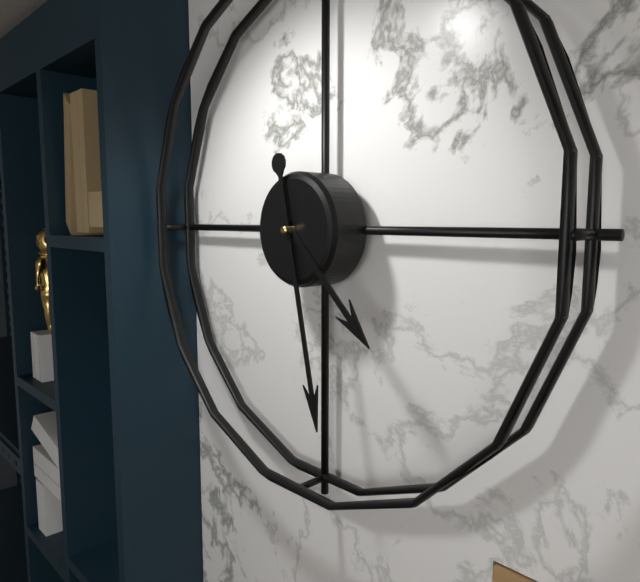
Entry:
4:28
